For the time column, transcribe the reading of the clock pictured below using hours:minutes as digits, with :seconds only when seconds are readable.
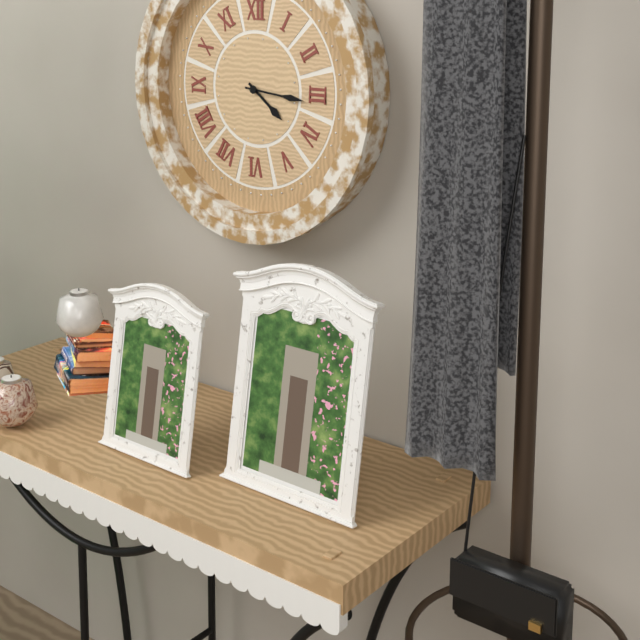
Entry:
4:16
